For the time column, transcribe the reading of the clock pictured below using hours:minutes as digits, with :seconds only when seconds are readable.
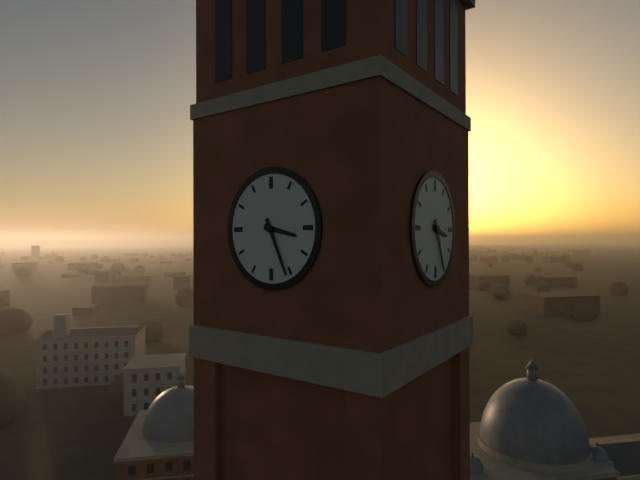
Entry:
3:26
